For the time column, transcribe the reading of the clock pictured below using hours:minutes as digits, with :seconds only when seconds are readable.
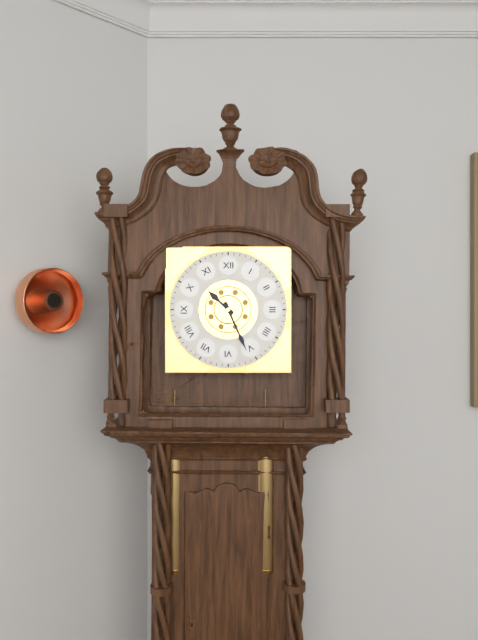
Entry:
10:26
